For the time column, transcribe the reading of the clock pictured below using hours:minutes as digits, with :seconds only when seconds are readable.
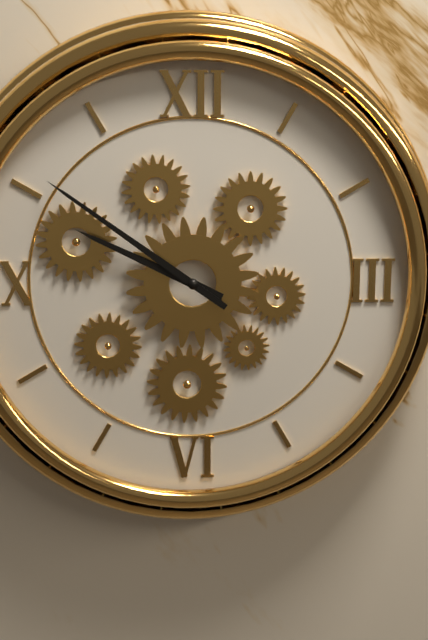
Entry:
9:51
